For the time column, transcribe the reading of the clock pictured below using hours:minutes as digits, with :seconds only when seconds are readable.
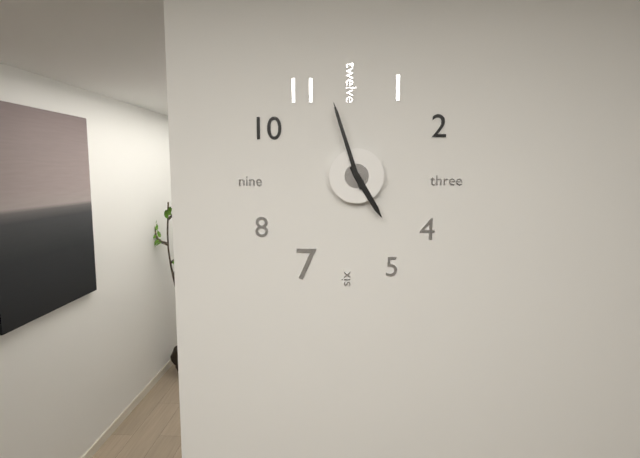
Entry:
4:57
